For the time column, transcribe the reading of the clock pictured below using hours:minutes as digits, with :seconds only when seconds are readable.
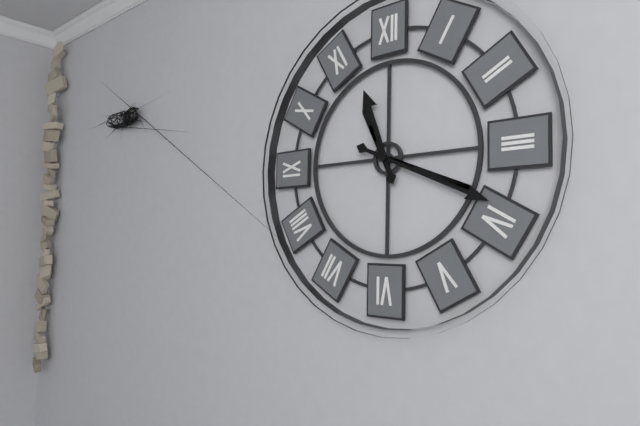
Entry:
11:19
